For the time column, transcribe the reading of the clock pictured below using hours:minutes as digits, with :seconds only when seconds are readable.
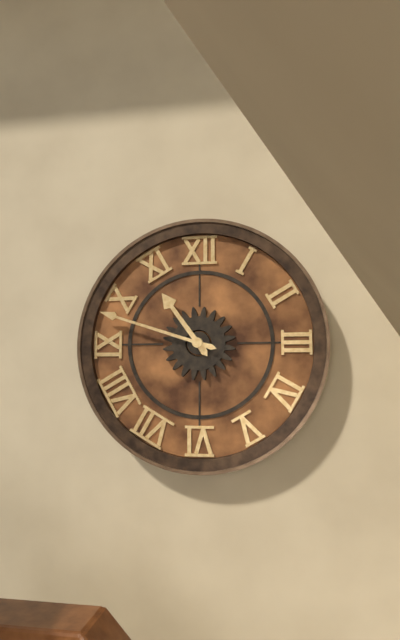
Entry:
10:48
